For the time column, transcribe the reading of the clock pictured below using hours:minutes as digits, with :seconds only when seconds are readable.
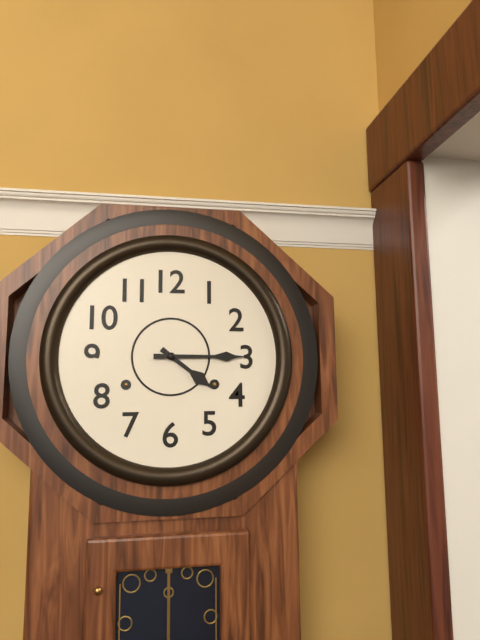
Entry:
4:15
